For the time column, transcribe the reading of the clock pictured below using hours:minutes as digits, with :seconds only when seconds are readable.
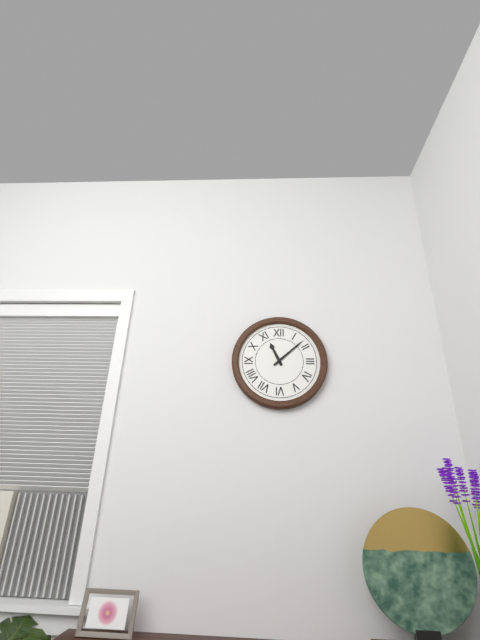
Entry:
11:08
